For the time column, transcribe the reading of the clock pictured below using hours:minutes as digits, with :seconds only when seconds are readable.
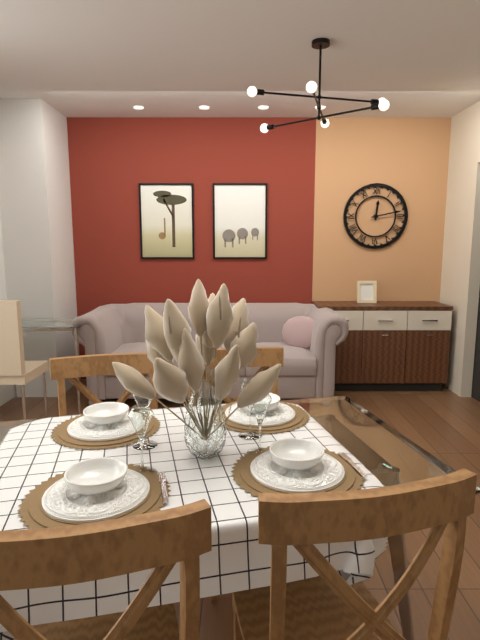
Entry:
12:13
